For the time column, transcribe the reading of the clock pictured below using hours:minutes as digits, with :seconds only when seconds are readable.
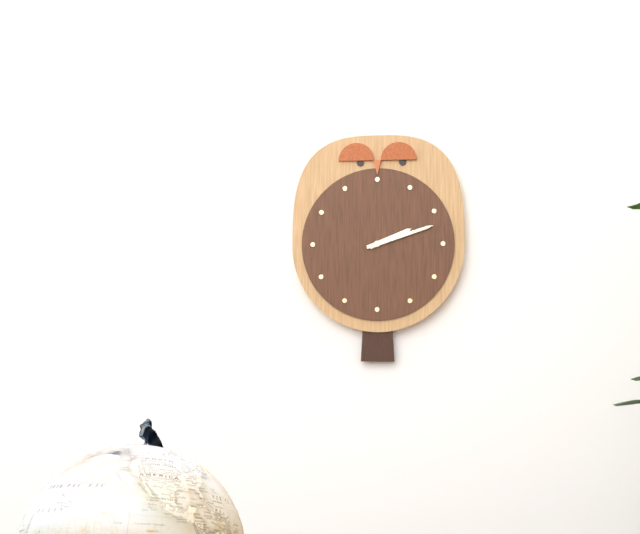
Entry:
2:12
